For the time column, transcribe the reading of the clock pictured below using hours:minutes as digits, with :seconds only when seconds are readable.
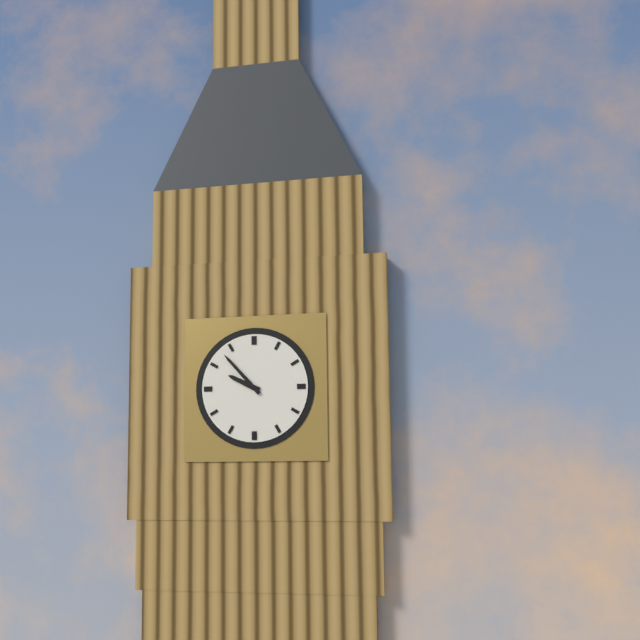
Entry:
9:53
